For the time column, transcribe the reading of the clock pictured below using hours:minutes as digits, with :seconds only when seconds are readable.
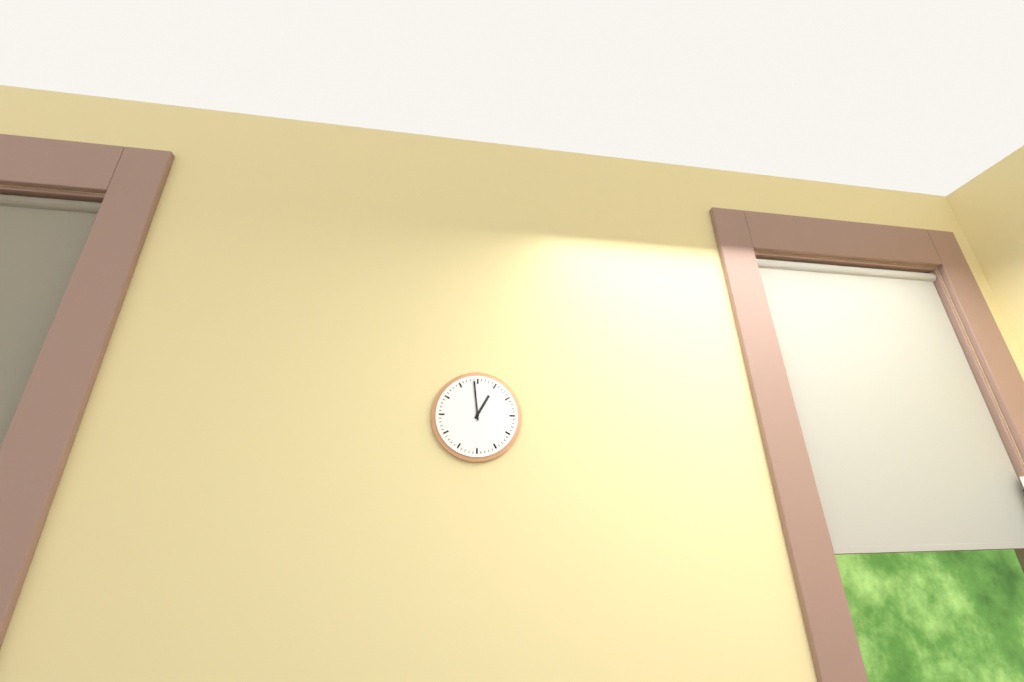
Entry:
12:59
